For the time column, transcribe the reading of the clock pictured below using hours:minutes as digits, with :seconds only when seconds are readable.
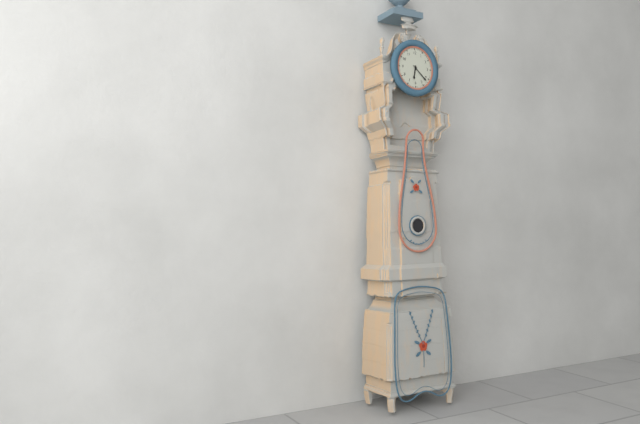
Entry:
6:22
